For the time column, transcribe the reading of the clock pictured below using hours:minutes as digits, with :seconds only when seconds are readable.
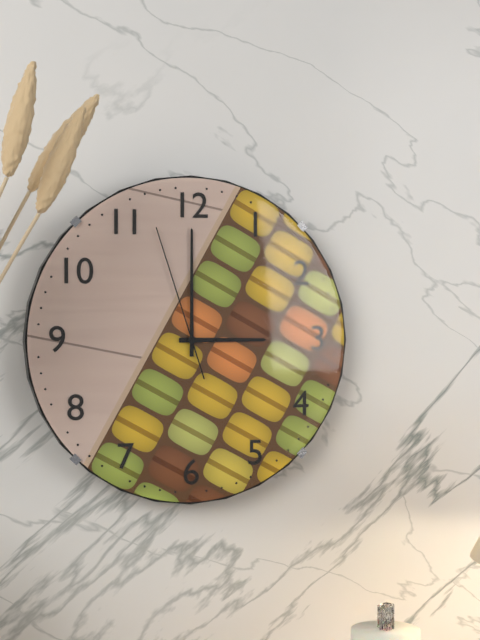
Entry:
3:00:57
